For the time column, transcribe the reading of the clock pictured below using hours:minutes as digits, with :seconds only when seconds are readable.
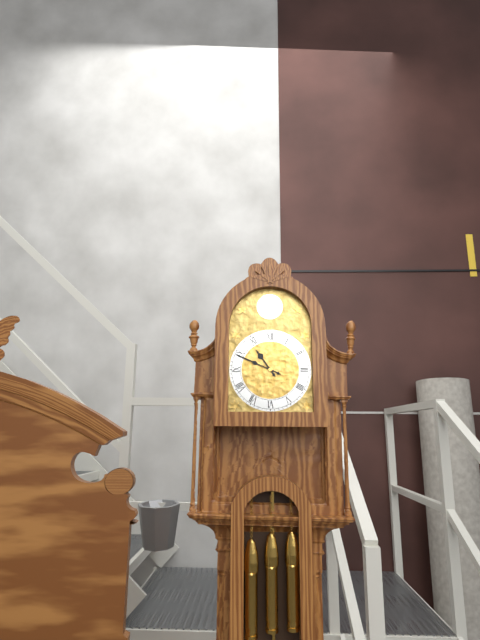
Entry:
10:49
